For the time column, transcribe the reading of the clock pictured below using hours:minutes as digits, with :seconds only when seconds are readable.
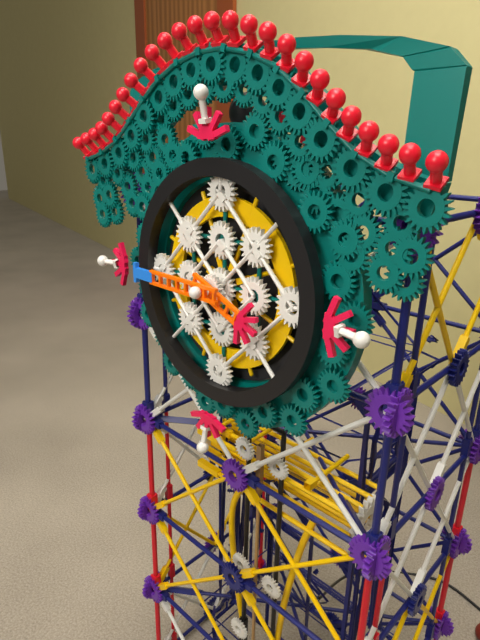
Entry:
3:45
